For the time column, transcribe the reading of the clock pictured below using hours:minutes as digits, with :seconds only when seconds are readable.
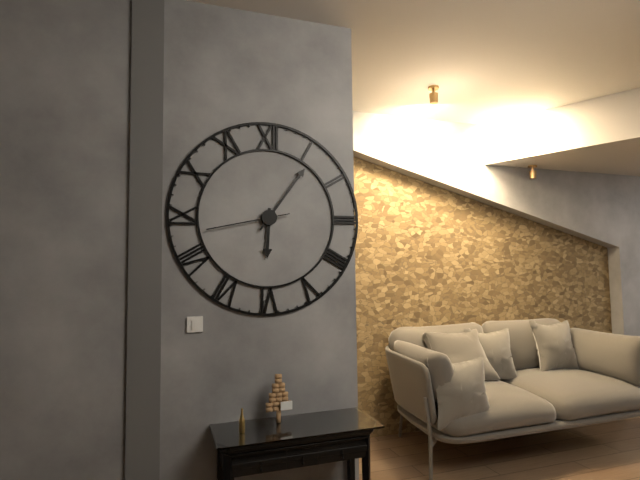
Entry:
6:06:43
